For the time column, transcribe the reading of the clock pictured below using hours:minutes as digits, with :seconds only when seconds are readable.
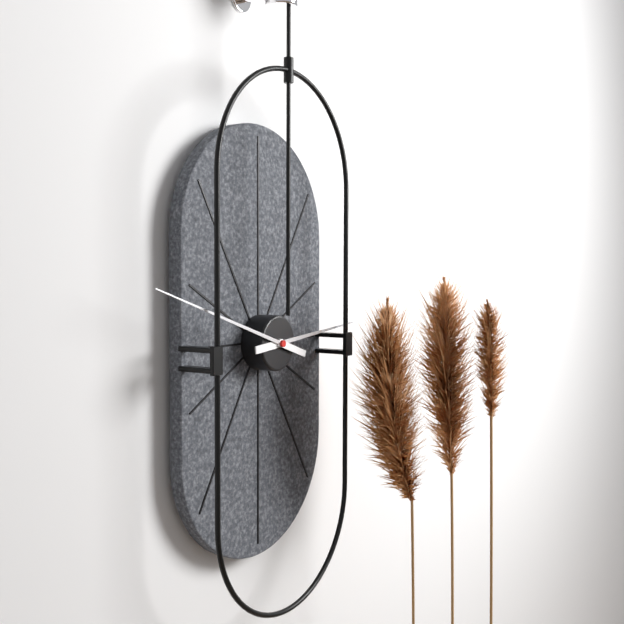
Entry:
2:48
